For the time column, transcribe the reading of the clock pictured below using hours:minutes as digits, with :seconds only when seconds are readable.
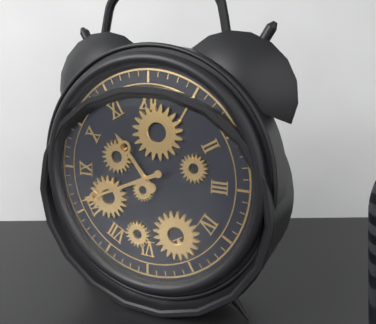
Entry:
10:41
